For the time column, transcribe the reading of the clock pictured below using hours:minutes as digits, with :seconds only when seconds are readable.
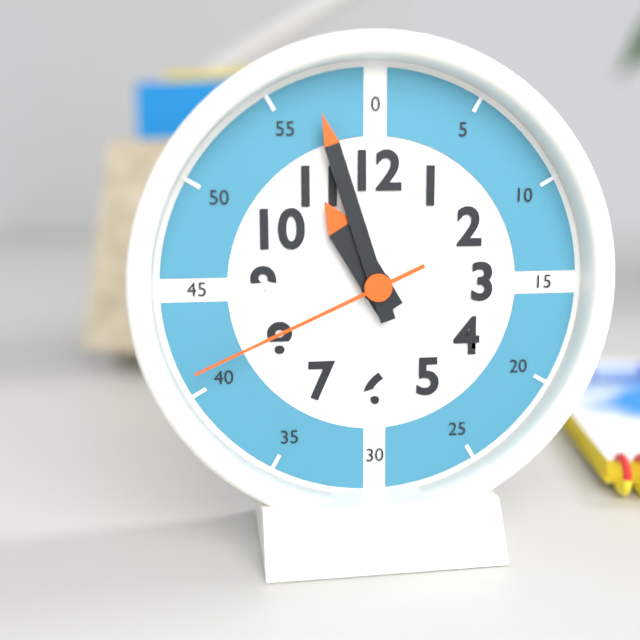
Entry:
10:57:41
